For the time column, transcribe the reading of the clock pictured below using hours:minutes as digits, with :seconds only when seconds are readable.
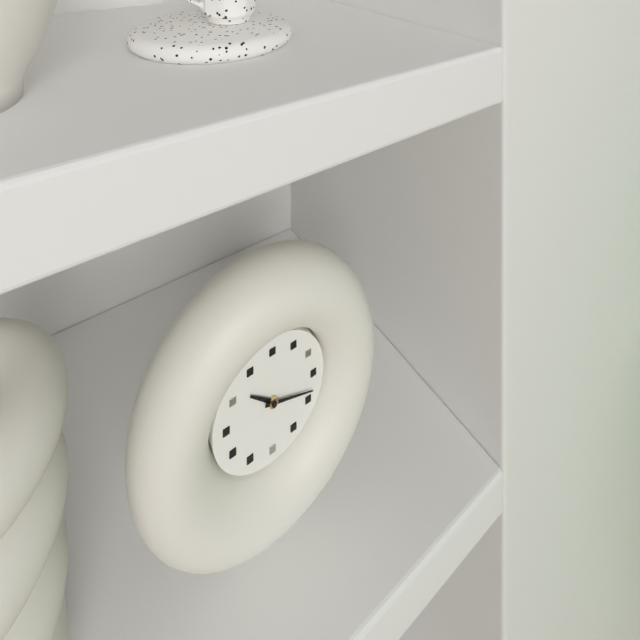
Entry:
10:18
